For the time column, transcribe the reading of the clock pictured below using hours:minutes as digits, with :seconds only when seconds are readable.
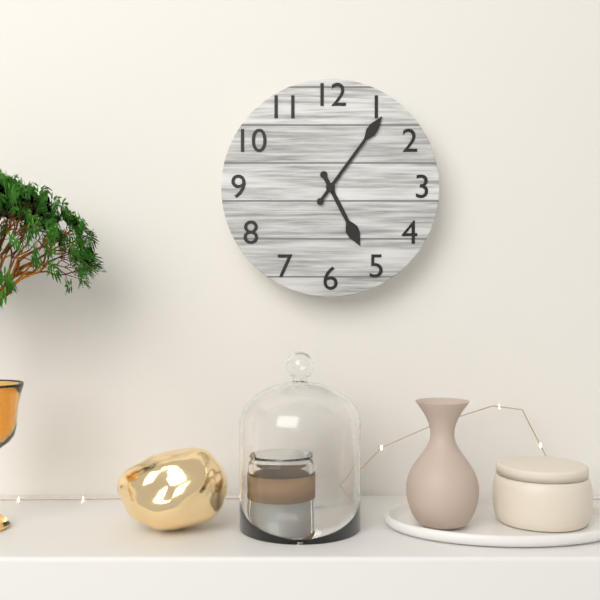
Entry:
5:06
